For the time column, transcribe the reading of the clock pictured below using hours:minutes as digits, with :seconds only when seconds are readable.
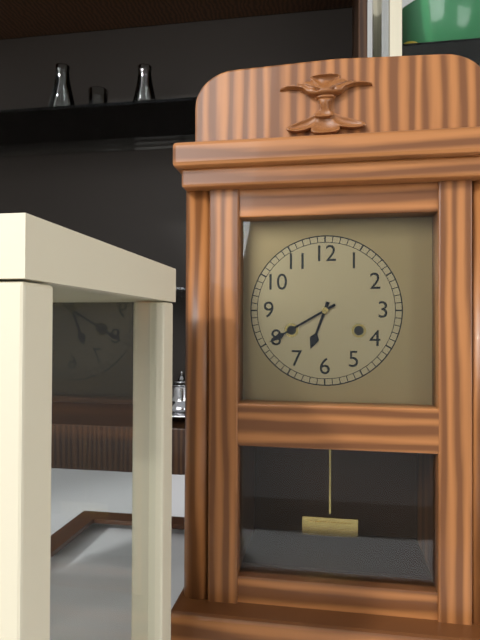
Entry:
6:40
